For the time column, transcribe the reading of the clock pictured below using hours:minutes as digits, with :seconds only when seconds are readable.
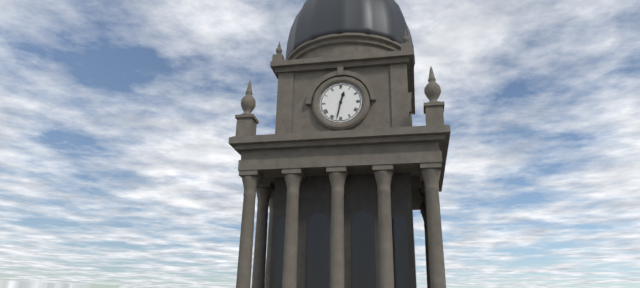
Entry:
12:32
